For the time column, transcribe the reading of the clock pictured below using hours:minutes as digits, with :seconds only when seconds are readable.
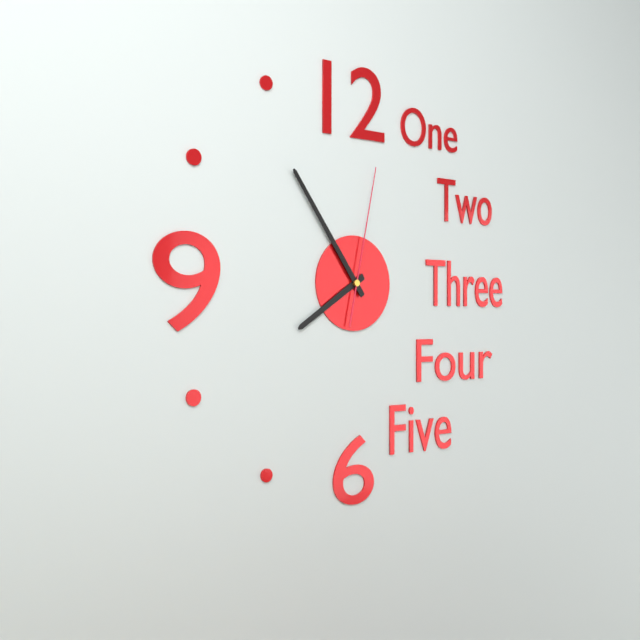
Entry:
7:54:02
